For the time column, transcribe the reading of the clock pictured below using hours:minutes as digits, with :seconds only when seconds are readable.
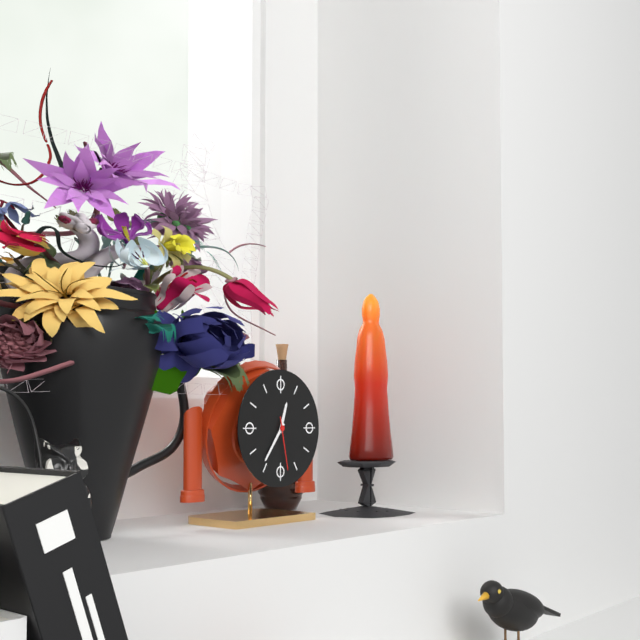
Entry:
12:36:28
